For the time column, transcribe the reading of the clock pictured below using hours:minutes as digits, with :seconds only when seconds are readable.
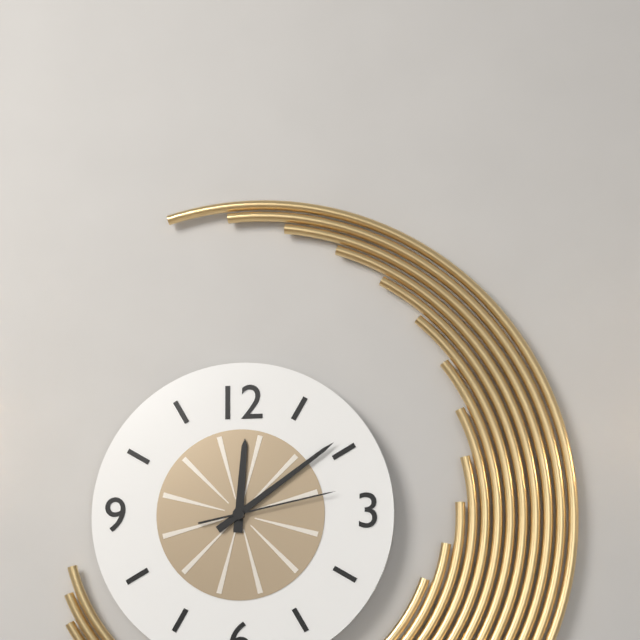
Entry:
12:09:13
